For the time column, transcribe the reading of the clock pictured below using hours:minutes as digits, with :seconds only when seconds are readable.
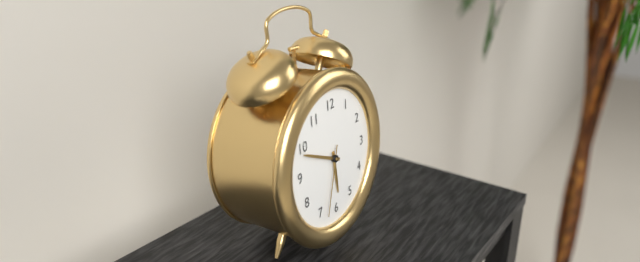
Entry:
5:49:33
